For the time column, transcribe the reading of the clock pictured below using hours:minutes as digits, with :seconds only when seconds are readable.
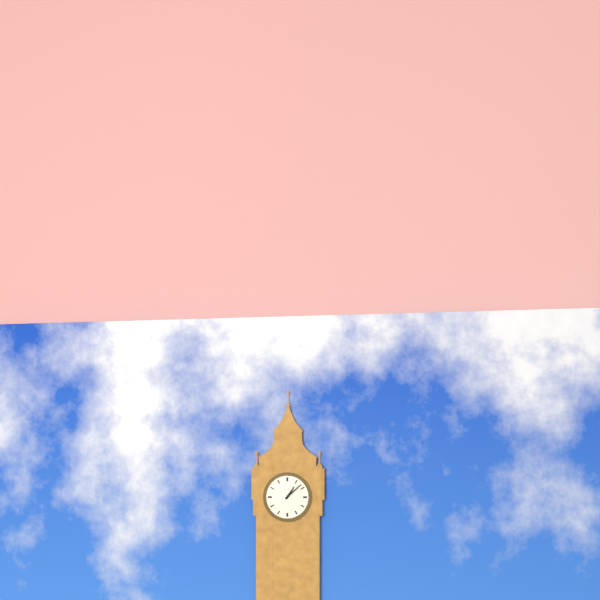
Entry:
1:08
